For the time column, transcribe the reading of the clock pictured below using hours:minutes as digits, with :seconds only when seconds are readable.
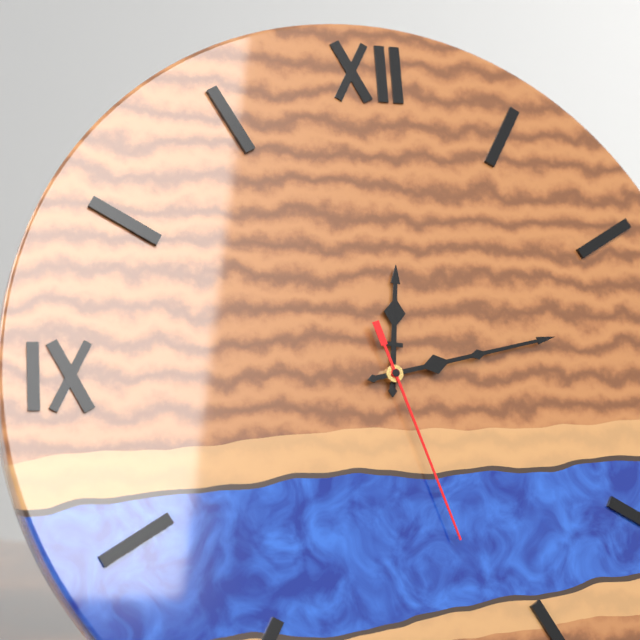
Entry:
12:13:27
